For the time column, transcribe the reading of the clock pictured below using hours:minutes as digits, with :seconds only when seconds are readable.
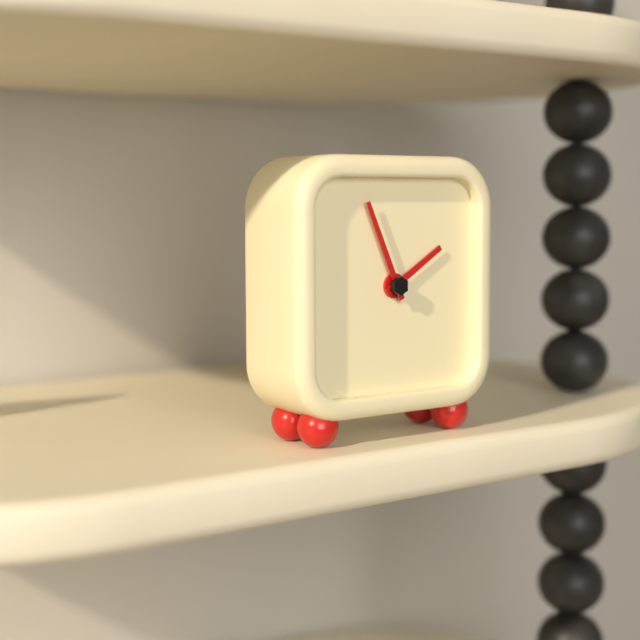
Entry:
1:56
